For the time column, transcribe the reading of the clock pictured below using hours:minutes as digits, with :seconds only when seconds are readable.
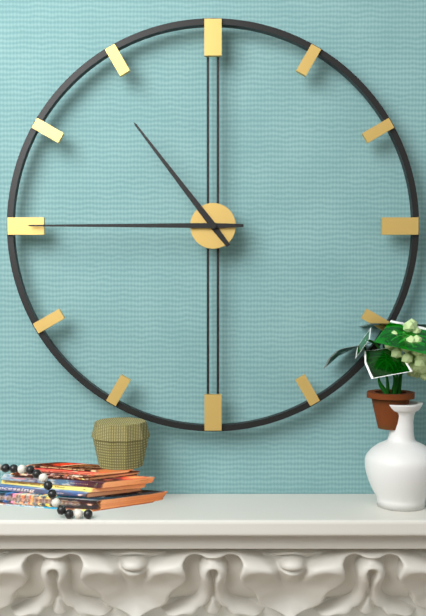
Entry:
10:45
